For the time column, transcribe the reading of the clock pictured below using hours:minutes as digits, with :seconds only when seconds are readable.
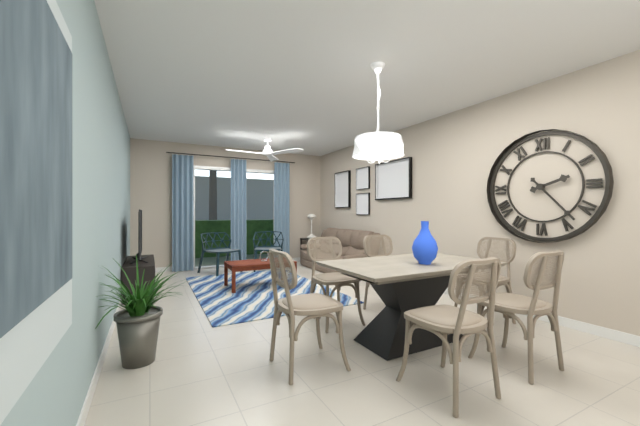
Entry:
2:23
